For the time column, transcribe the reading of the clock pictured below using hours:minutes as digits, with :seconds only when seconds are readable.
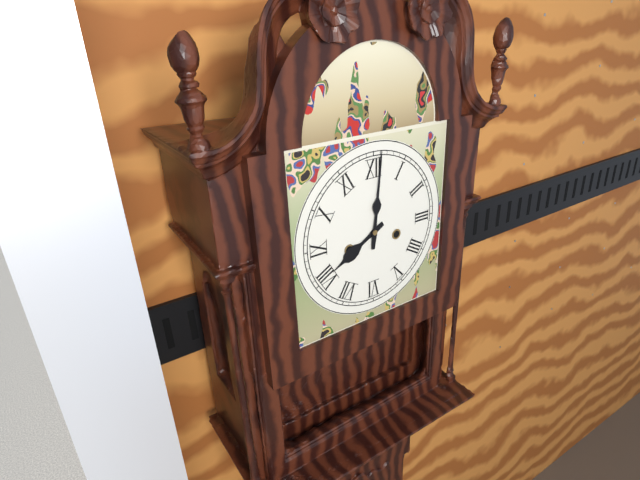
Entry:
8:01
